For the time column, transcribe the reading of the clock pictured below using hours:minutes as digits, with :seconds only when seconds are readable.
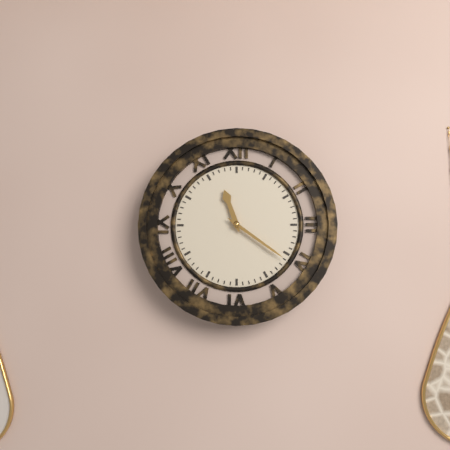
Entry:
11:21
